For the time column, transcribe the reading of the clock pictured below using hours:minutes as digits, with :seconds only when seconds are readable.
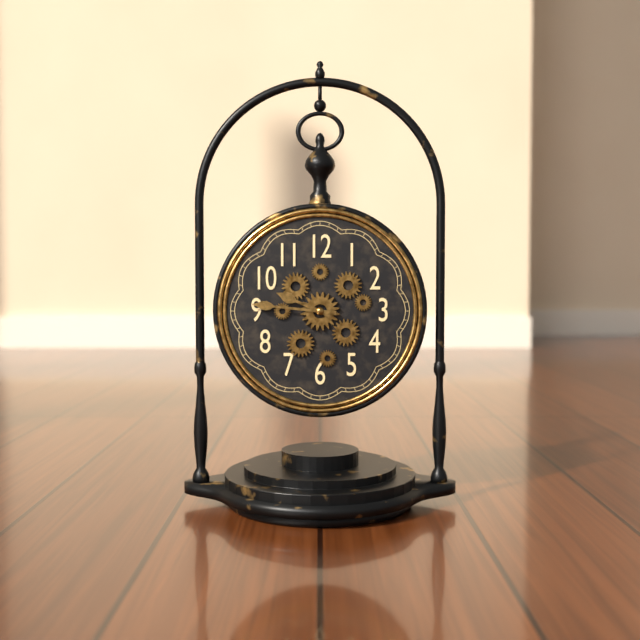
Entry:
9:46
